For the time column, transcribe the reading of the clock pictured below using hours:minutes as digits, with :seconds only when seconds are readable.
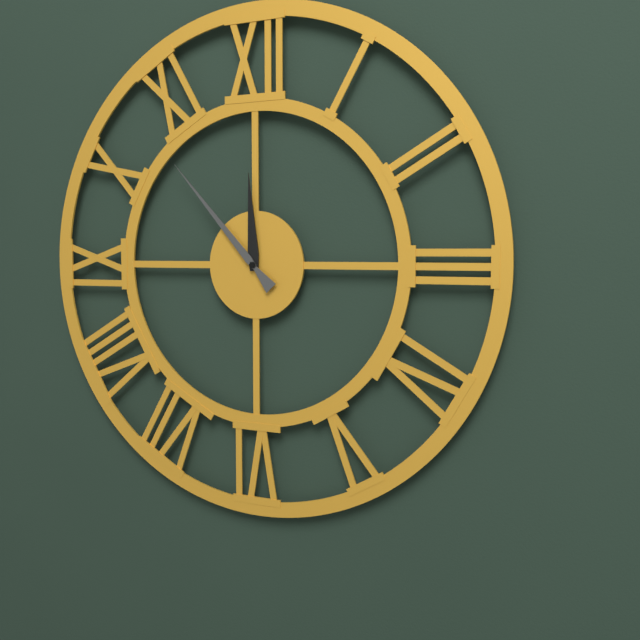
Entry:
11:53
